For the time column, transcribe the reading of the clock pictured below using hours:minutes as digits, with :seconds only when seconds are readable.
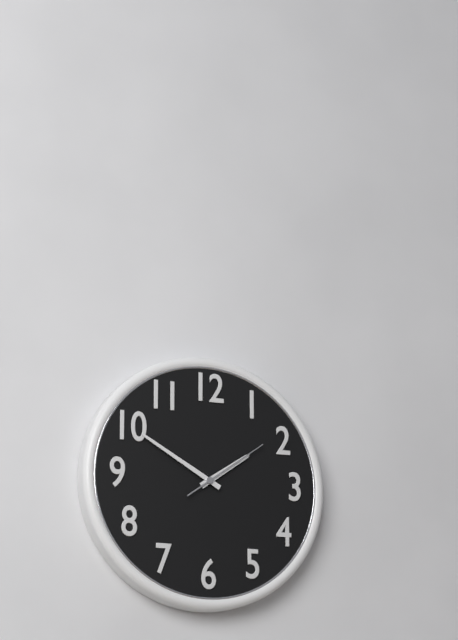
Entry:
1:50:09
